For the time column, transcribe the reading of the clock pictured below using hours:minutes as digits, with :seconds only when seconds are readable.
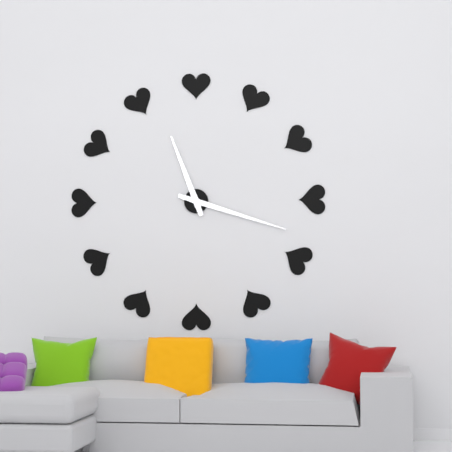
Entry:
11:18
